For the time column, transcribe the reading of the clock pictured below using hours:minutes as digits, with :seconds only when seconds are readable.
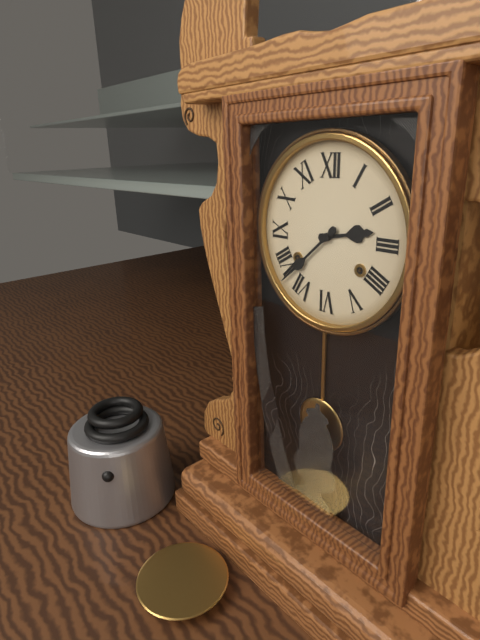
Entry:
2:38
